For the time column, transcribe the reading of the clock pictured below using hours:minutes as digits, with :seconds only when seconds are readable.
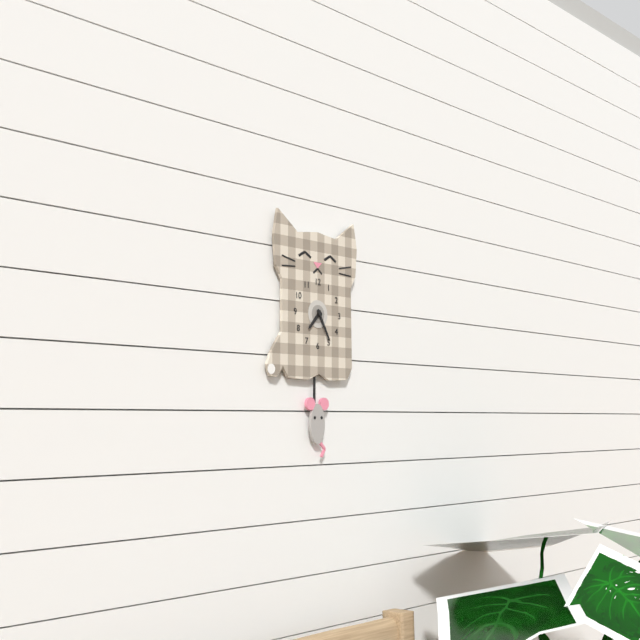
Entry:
7:25
